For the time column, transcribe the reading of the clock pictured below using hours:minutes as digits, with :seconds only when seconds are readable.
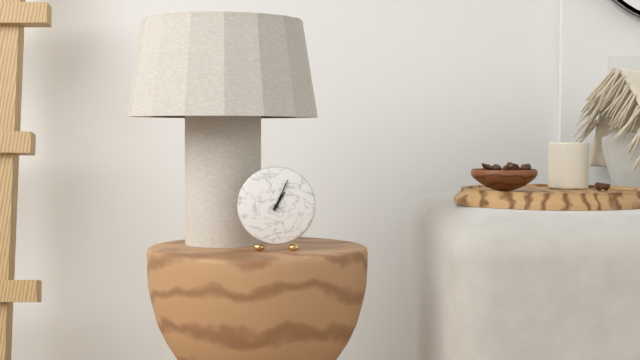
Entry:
1:04
